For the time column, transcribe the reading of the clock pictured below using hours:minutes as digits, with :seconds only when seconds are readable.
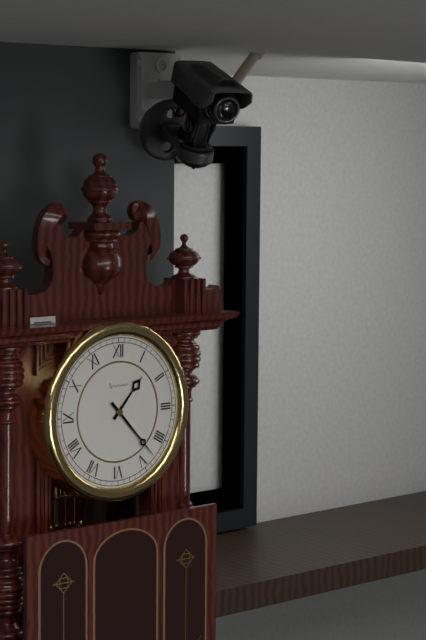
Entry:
1:23
